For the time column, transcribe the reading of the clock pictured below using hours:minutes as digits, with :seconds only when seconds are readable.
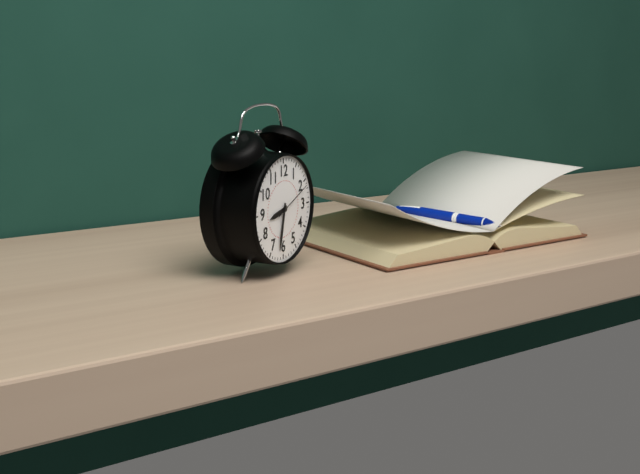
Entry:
8:32:11
